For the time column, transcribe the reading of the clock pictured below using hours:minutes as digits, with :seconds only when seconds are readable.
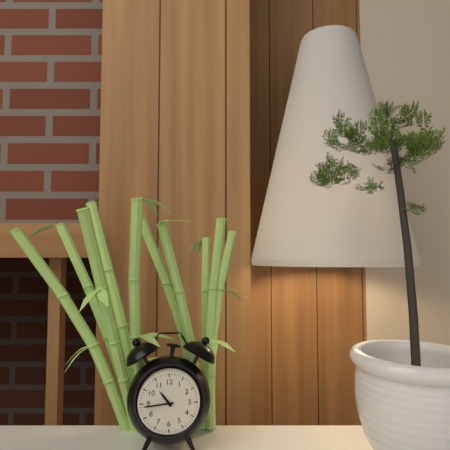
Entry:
10:44
